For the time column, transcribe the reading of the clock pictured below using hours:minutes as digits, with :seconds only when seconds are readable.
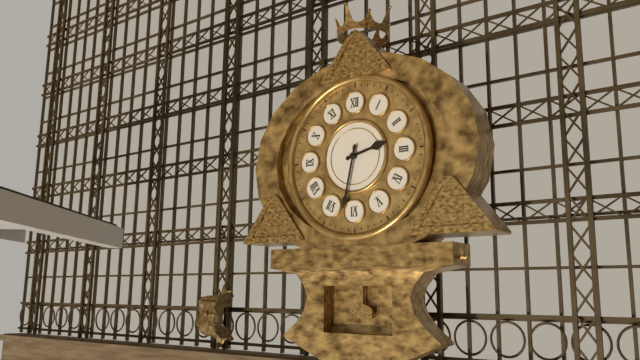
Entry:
2:32
